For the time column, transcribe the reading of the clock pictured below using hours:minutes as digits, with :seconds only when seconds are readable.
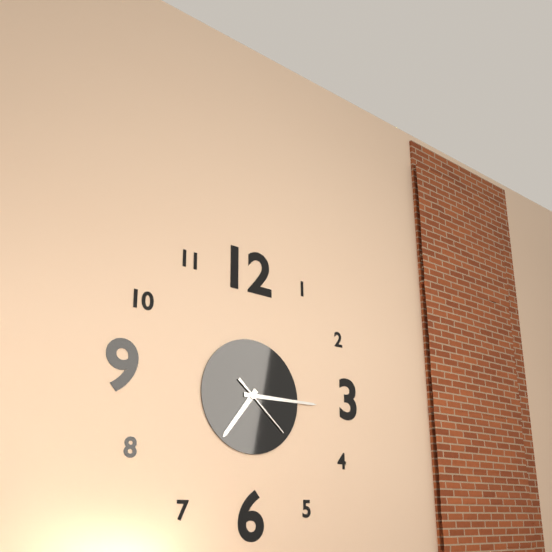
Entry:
7:15:22
